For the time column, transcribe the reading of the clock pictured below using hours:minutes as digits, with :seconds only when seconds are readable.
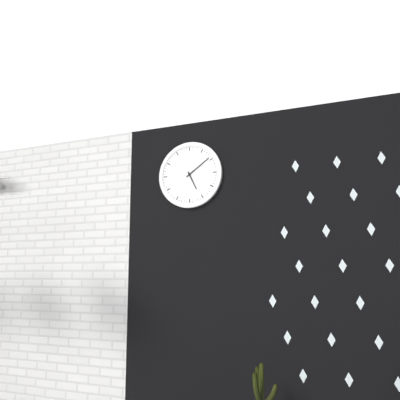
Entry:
5:09
